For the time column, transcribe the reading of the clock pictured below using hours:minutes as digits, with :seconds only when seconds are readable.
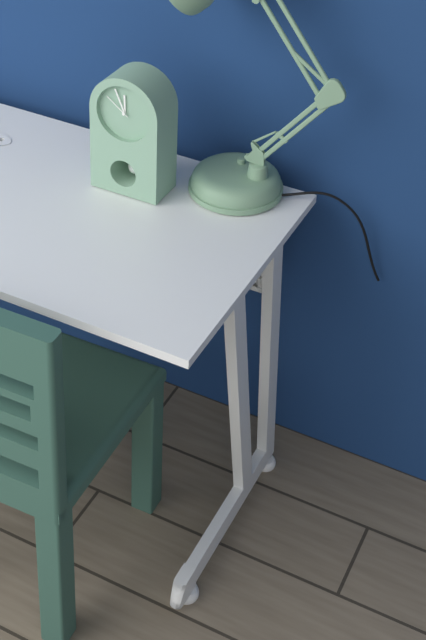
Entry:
11:56
